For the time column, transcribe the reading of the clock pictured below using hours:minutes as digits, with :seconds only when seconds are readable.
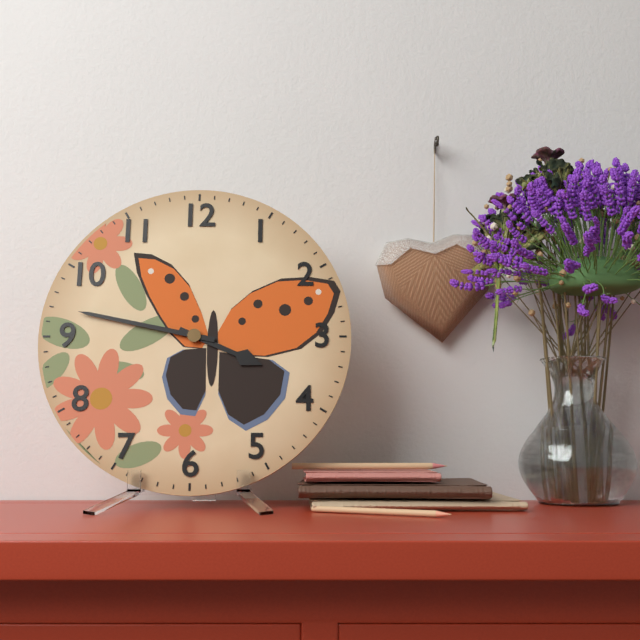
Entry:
3:47
